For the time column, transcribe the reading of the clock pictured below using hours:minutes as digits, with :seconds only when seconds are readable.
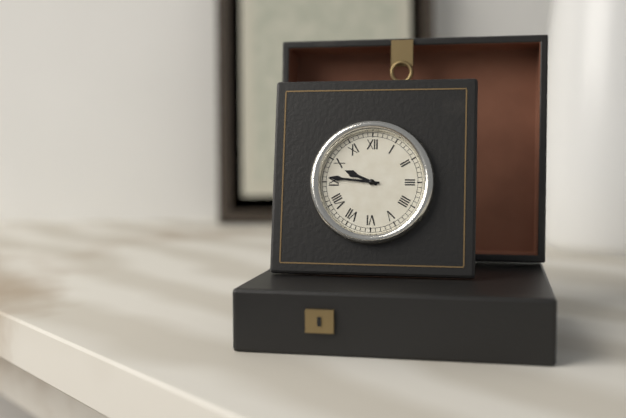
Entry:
9:46
